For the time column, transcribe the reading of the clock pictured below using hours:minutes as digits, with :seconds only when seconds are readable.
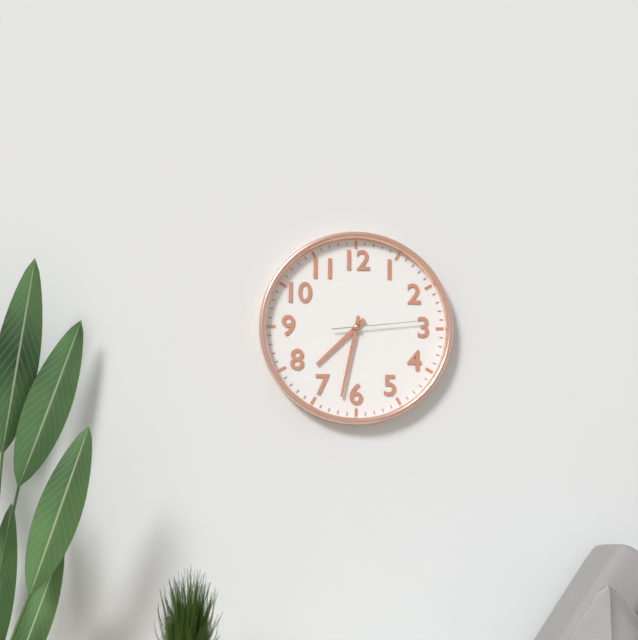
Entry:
7:32:14
